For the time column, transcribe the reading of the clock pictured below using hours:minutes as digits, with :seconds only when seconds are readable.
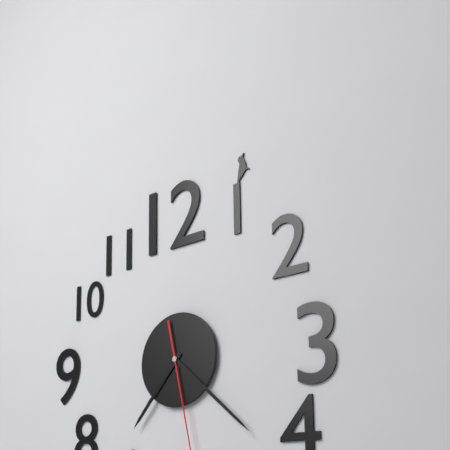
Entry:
7:22
